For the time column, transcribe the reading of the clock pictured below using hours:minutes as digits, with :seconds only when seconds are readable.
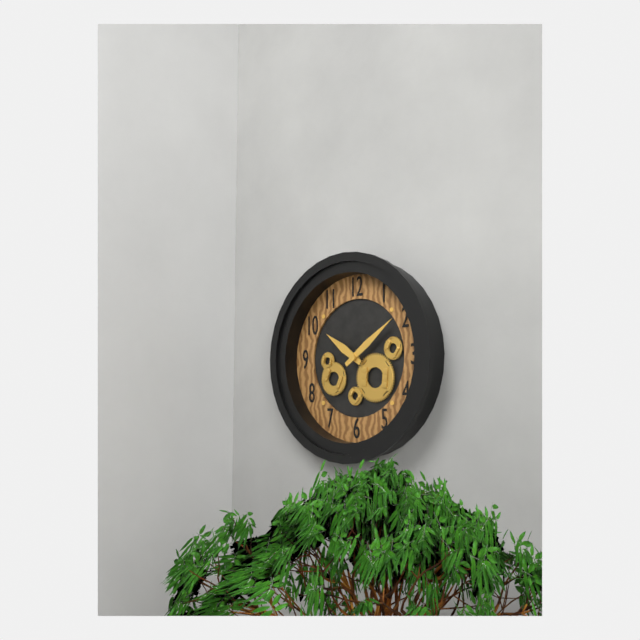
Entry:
10:09
